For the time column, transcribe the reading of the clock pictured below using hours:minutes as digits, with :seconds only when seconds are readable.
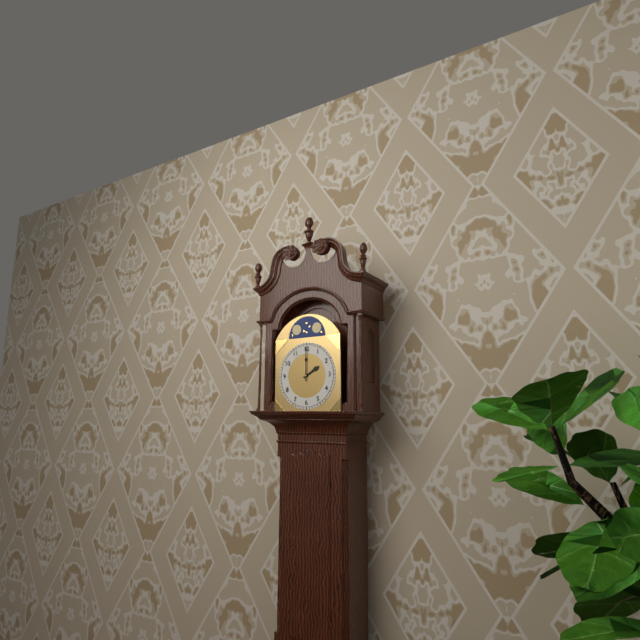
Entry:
2:00
